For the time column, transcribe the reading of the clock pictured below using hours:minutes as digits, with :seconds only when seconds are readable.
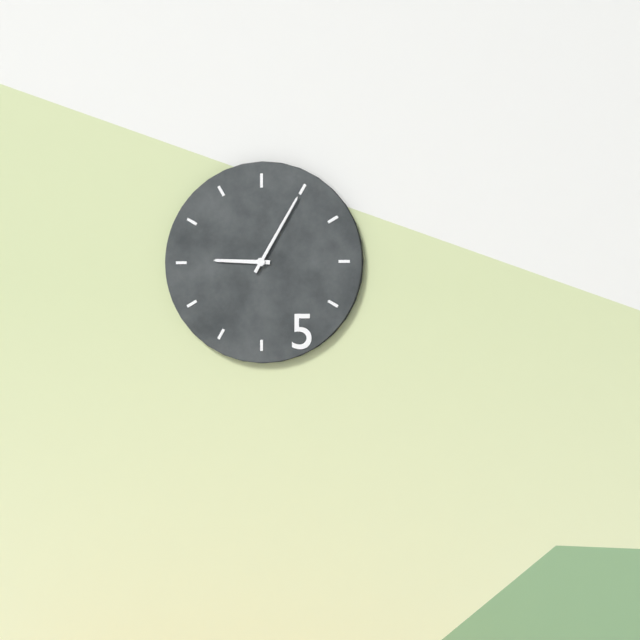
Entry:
9:05
